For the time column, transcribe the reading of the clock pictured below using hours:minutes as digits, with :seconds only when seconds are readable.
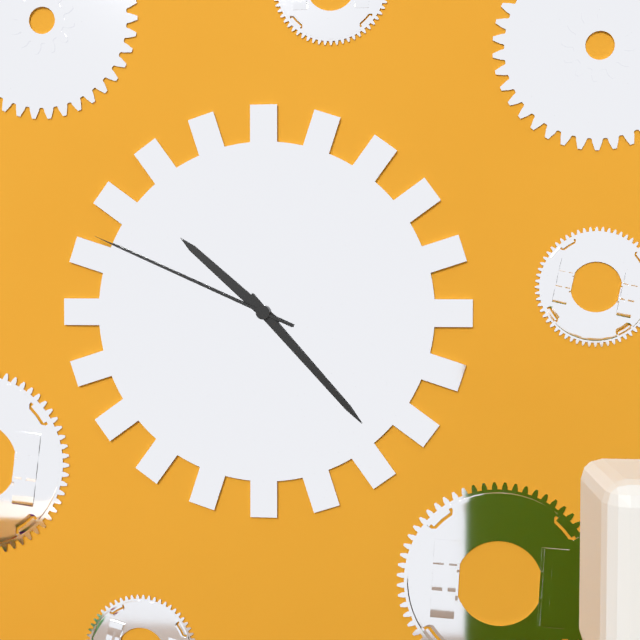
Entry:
10:23:49
